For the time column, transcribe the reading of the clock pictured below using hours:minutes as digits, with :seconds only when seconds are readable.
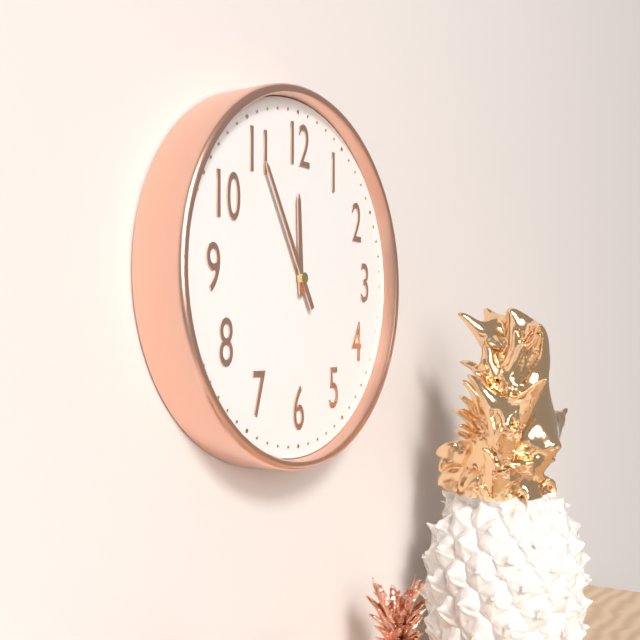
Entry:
11:55
